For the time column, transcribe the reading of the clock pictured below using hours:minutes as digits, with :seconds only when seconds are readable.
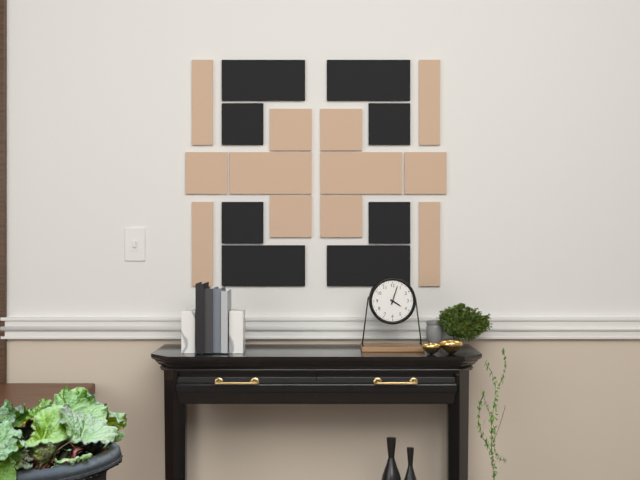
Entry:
4:03
